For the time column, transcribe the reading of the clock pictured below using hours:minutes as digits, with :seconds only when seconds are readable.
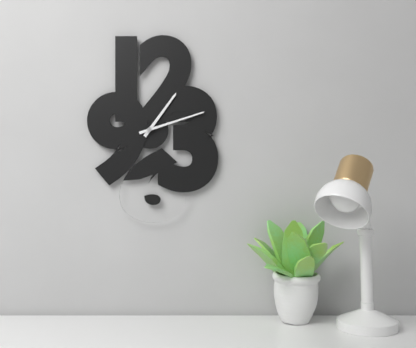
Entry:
1:12
